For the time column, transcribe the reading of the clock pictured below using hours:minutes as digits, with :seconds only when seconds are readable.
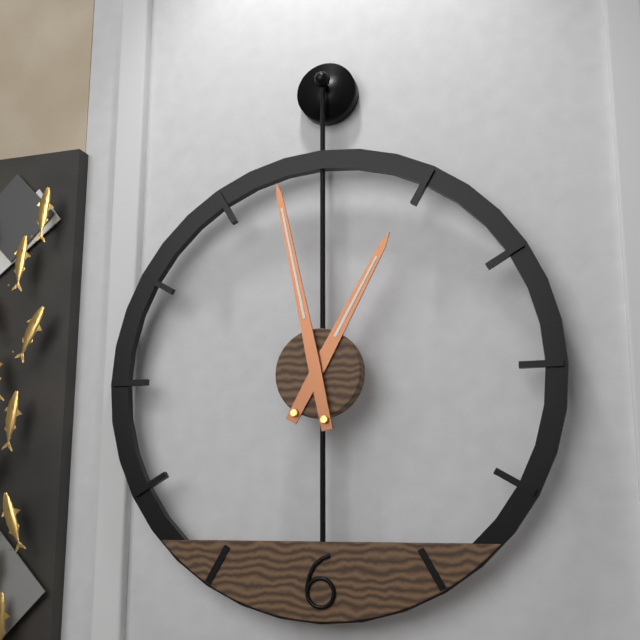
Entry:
12:58
